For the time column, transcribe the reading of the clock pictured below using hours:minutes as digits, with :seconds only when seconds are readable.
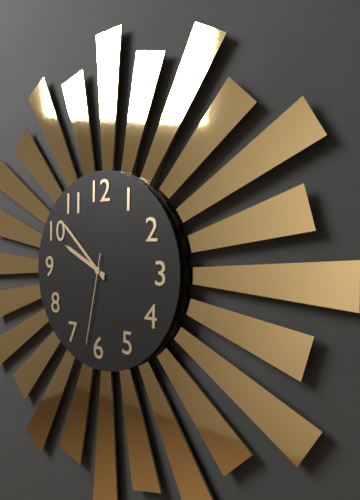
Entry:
9:52:32
